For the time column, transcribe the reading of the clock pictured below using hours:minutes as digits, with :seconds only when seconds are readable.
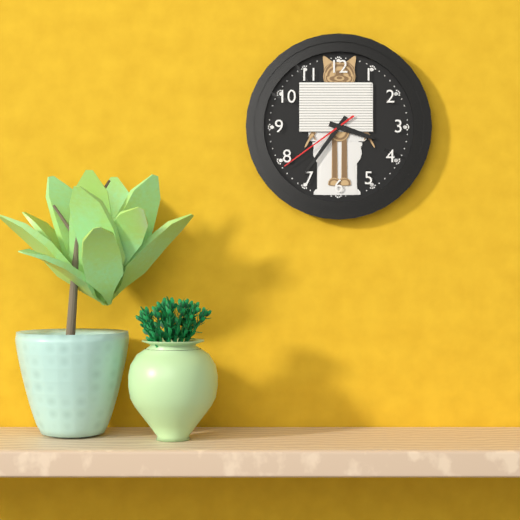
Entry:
3:36:39
